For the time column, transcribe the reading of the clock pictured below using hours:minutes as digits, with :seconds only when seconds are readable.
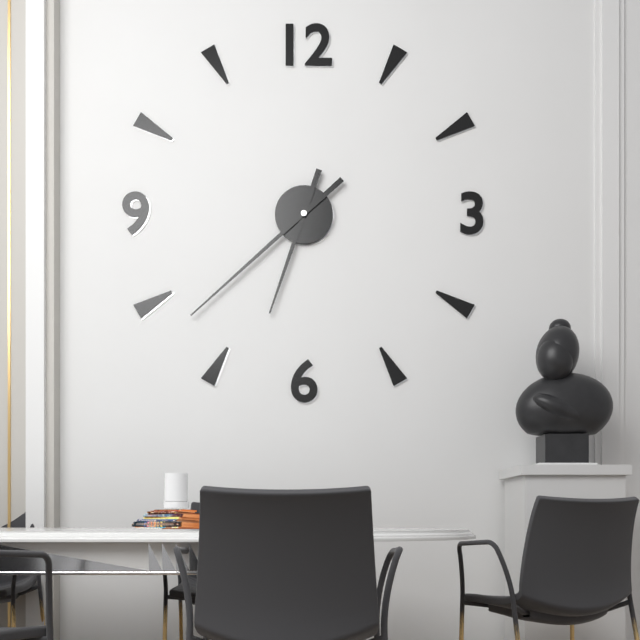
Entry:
6:38
